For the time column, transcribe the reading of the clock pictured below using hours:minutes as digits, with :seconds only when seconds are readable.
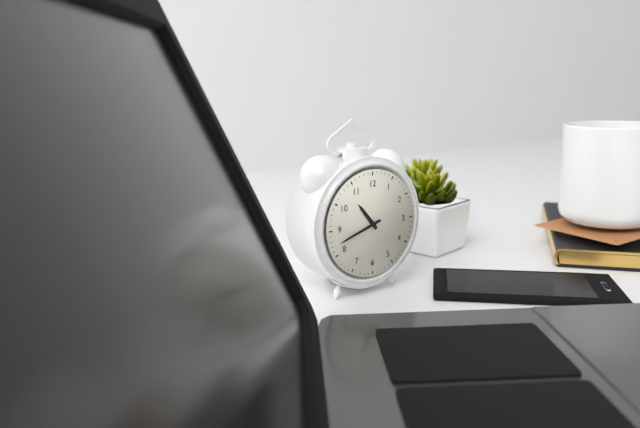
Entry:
10:42
